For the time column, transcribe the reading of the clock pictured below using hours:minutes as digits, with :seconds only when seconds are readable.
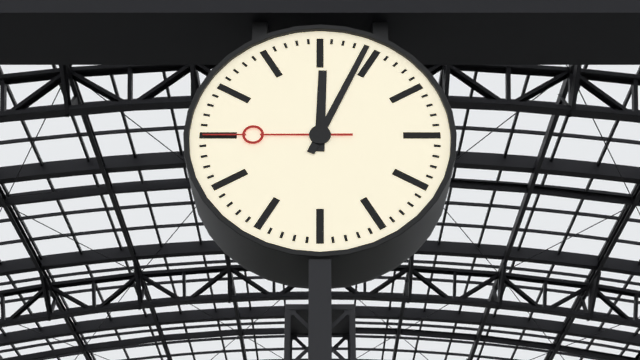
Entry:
12:04:45
